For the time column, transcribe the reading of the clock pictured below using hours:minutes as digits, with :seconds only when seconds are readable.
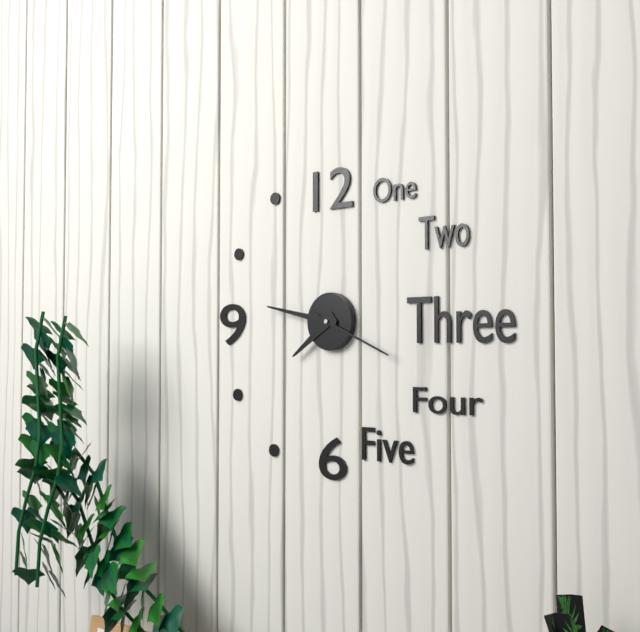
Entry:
7:47:19
